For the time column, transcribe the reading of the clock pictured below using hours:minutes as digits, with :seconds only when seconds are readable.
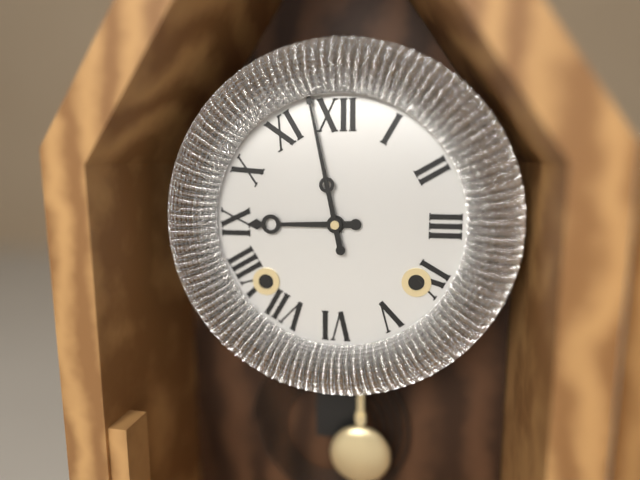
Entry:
8:58
